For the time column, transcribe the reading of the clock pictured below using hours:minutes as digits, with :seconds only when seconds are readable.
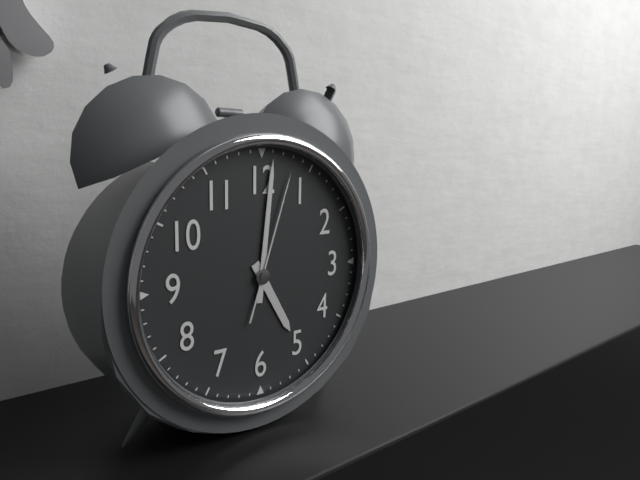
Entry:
5:01:03
